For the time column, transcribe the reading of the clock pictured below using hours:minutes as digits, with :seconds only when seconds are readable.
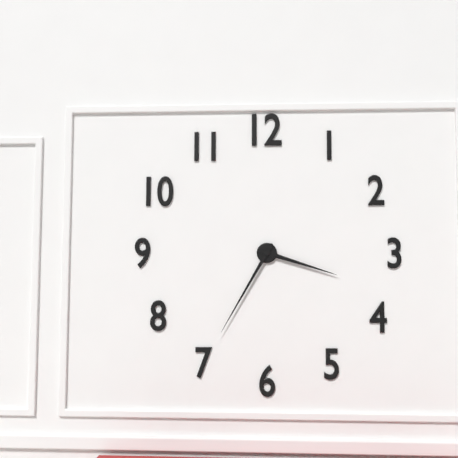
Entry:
3:35
